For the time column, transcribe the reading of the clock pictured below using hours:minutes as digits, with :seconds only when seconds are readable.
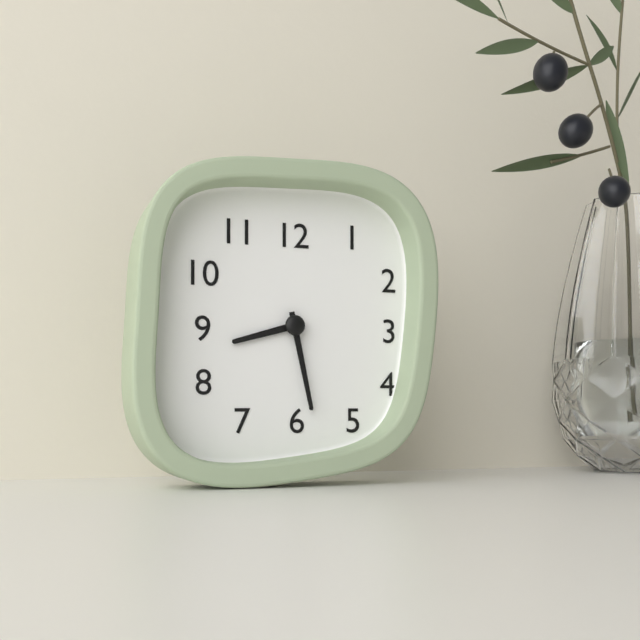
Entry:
8:28
